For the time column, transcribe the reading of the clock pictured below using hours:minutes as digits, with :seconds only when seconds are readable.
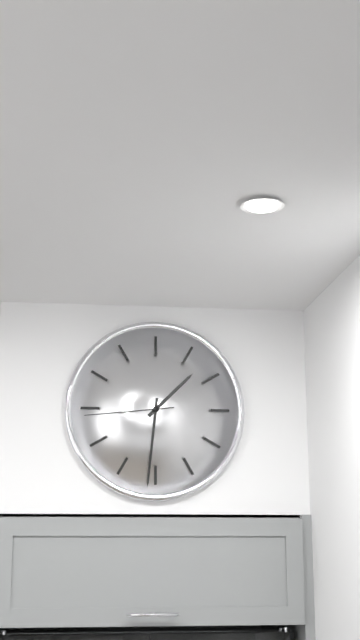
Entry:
1:31:44
